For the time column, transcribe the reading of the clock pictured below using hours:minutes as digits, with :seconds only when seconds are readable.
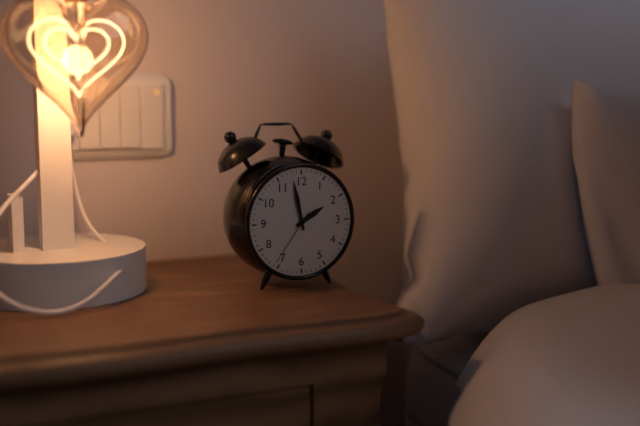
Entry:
1:58:36
